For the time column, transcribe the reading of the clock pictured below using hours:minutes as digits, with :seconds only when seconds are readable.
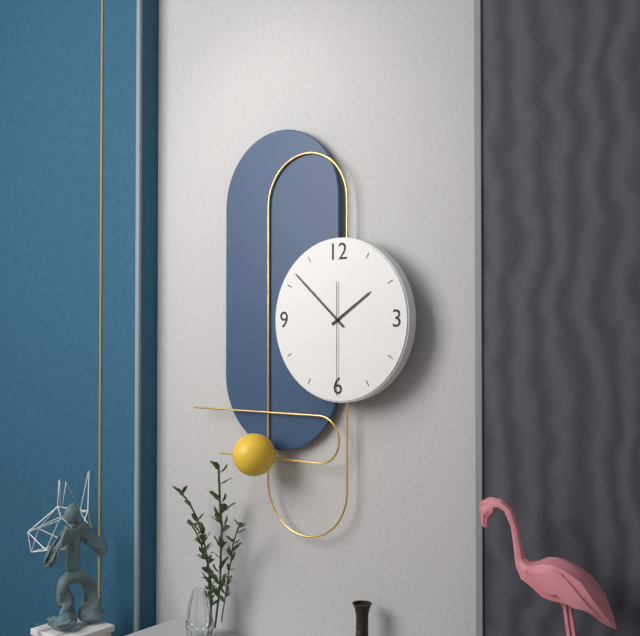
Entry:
1:52:30
